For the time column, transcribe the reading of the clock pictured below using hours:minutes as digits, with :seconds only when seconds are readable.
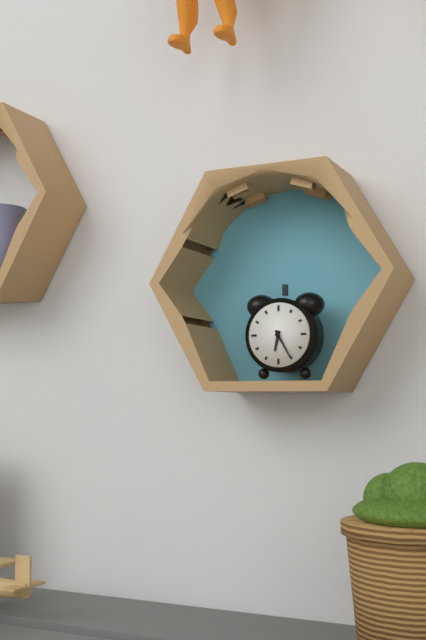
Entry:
6:25
